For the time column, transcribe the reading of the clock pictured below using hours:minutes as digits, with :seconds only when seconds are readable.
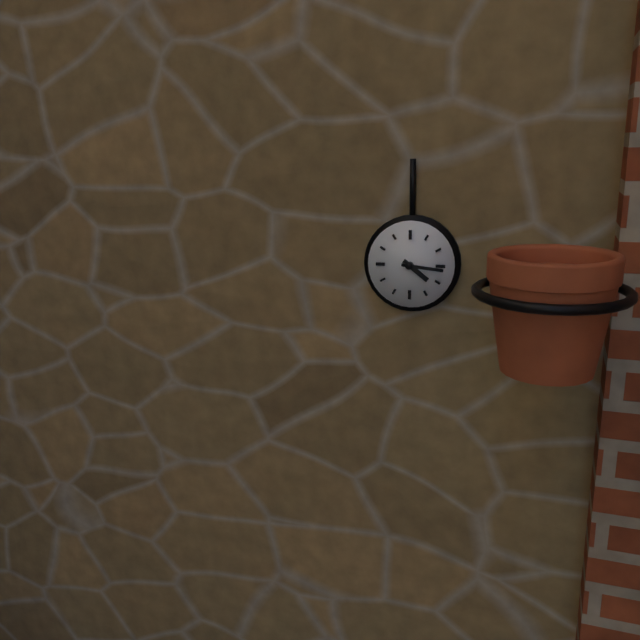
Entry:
4:16
